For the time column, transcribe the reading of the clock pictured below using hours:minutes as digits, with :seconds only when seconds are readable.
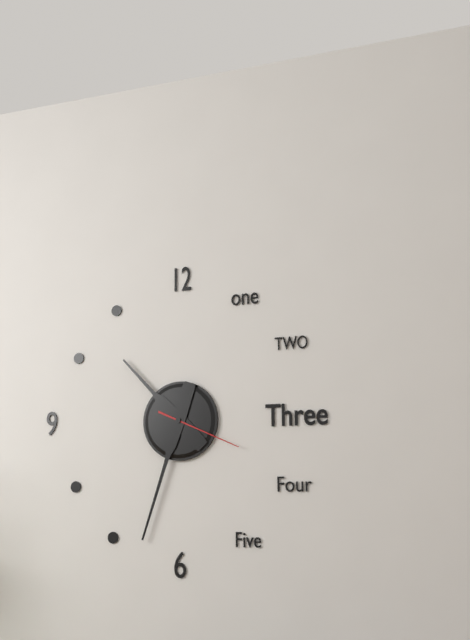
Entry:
10:33:19
